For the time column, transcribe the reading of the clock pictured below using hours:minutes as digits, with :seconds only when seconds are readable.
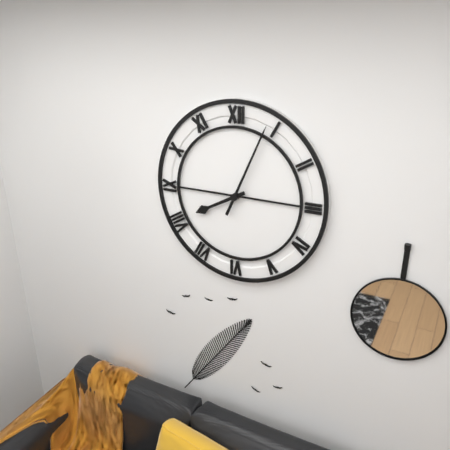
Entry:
8:04
